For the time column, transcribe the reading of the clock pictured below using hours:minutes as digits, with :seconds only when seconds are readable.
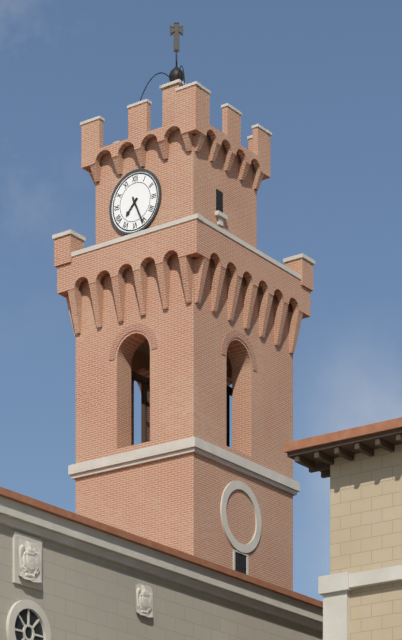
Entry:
7:26
